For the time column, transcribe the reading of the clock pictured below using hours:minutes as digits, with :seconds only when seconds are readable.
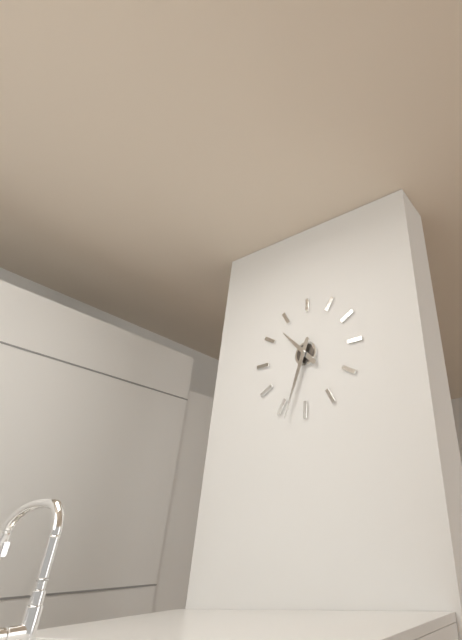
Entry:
10:33
